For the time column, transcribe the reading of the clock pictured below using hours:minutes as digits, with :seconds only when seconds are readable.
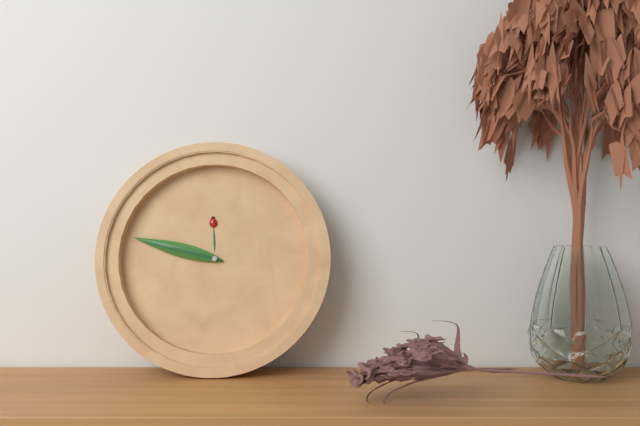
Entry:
11:47
